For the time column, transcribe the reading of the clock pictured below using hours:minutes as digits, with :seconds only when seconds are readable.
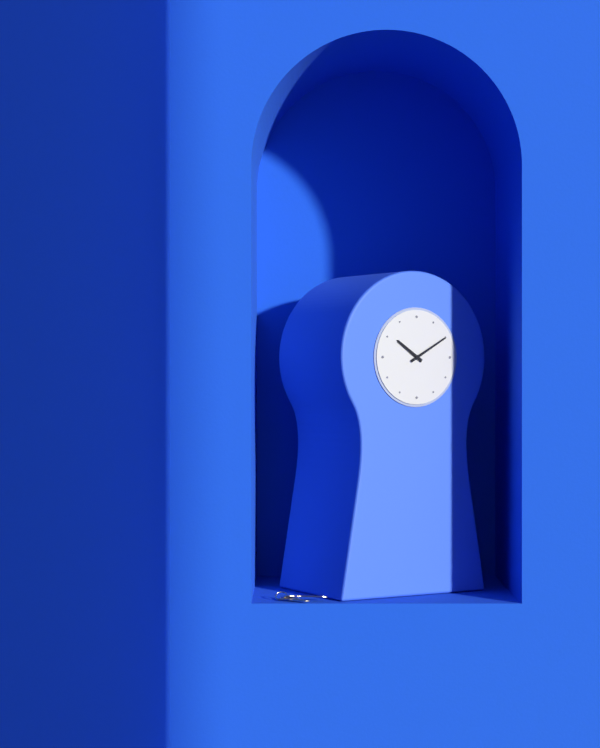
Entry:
10:10
